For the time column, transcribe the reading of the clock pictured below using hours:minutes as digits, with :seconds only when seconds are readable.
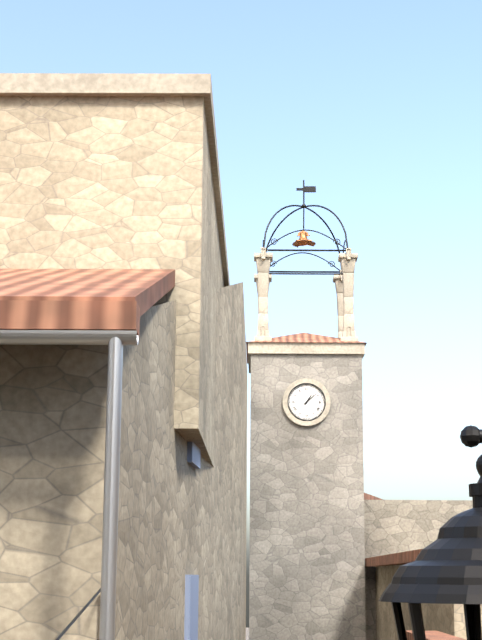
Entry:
1:08
